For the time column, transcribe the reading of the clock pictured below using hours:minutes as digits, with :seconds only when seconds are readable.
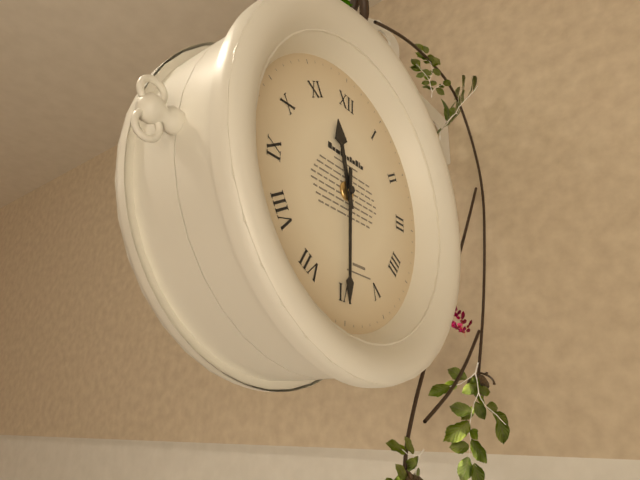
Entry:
11:30
